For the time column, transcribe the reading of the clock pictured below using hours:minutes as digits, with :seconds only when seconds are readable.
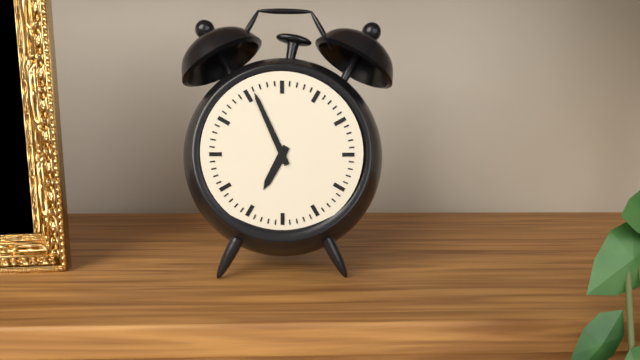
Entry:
6:56
